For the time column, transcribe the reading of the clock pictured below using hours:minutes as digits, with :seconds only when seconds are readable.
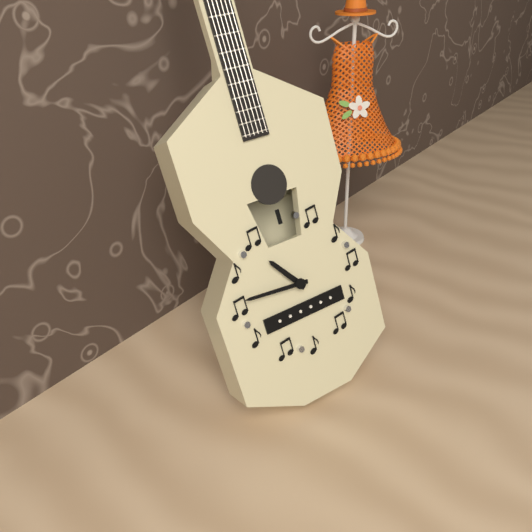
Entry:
10:46
